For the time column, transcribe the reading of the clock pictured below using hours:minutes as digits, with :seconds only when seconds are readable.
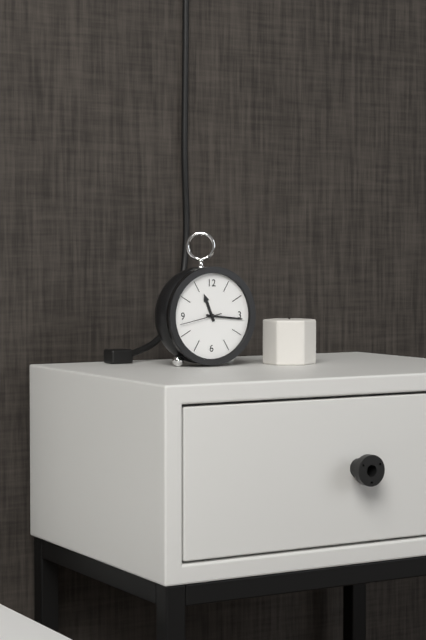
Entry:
11:16
